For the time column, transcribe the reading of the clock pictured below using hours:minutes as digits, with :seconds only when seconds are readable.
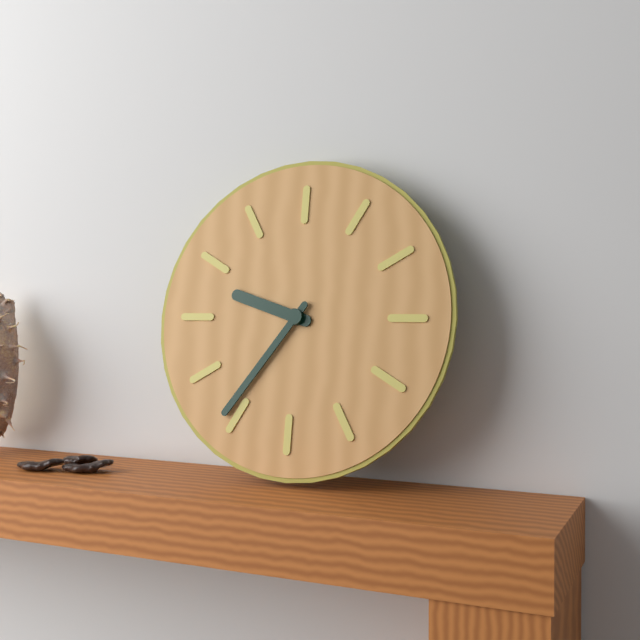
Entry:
9:36
